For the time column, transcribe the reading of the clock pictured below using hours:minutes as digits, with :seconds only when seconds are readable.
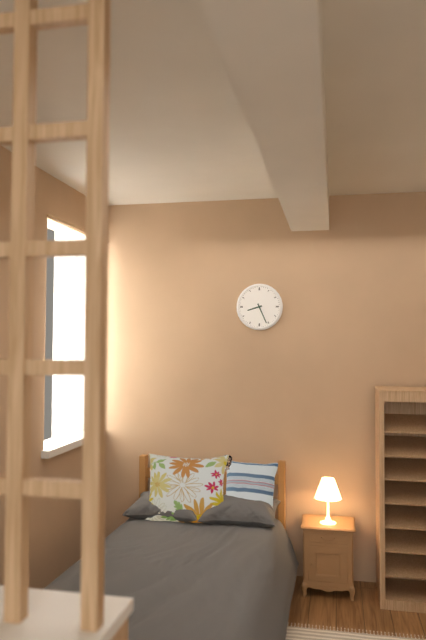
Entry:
8:26
